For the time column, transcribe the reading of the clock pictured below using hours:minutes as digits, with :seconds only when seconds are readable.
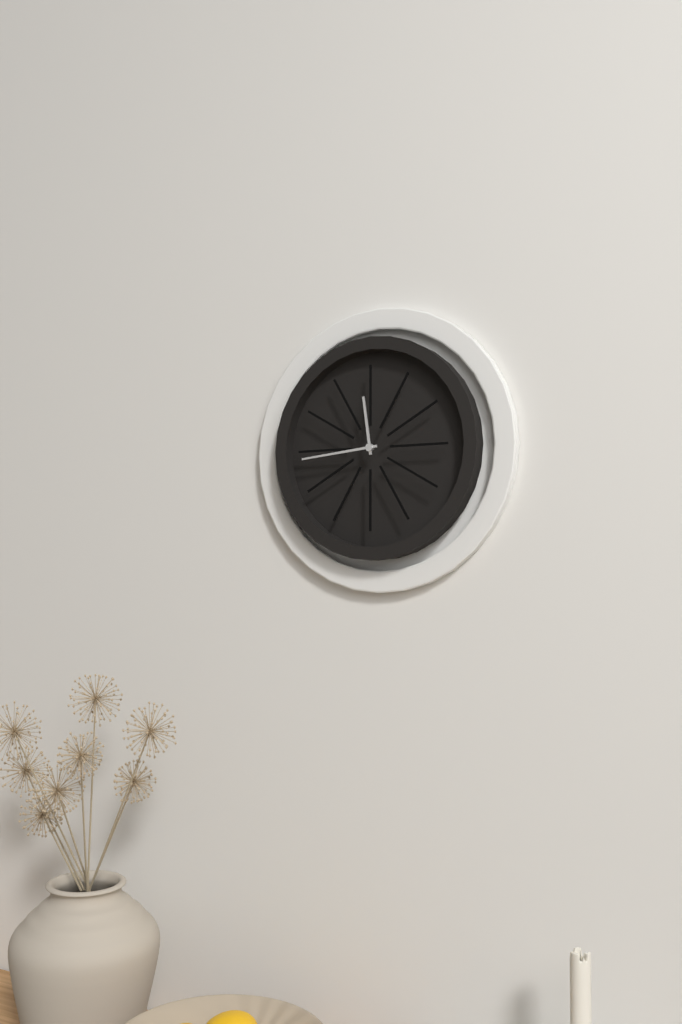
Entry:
11:44
